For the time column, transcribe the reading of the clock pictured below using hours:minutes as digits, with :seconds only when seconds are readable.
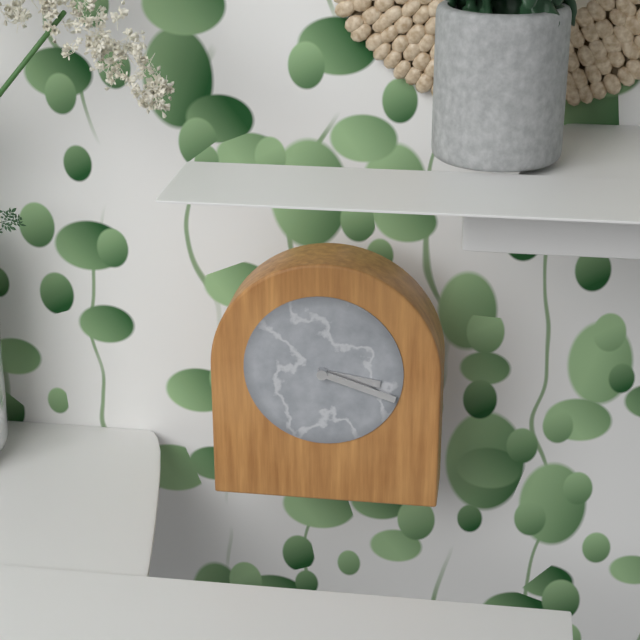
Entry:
3:18
